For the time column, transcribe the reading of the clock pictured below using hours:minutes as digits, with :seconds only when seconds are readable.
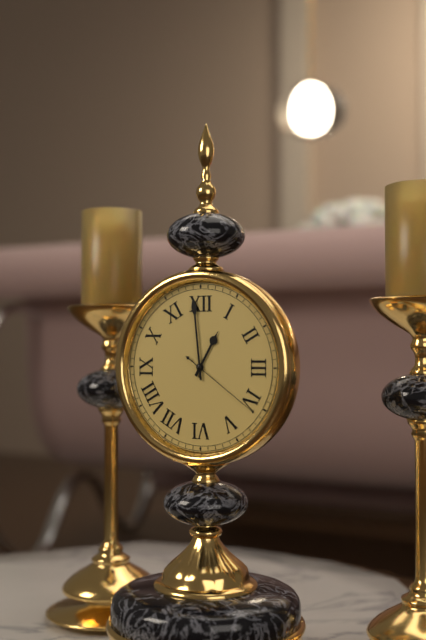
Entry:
12:59:21
